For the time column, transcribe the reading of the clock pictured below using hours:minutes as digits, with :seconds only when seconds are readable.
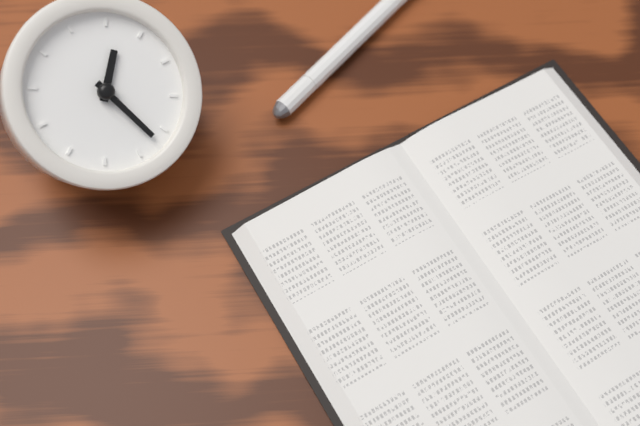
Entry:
12:22
